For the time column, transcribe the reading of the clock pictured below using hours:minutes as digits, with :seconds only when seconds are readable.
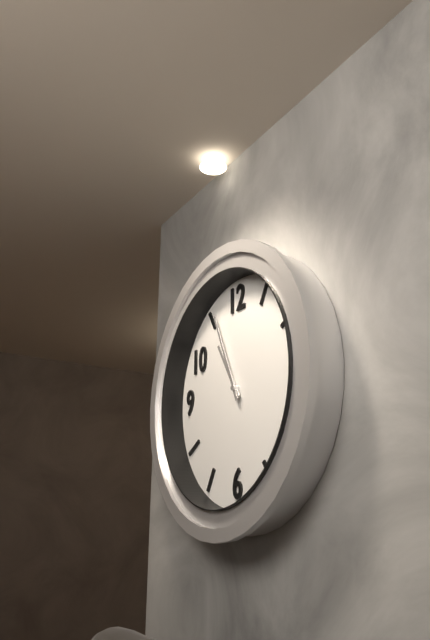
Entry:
10:56
